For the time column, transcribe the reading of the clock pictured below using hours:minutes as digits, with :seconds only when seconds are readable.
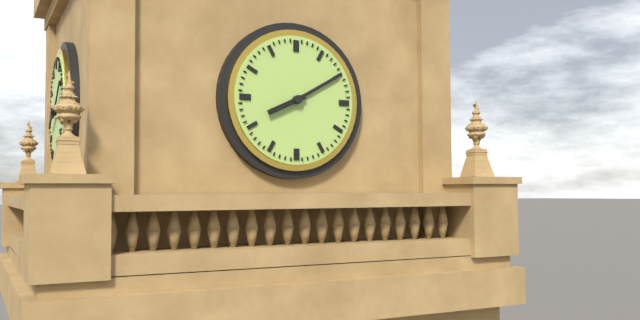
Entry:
8:10
